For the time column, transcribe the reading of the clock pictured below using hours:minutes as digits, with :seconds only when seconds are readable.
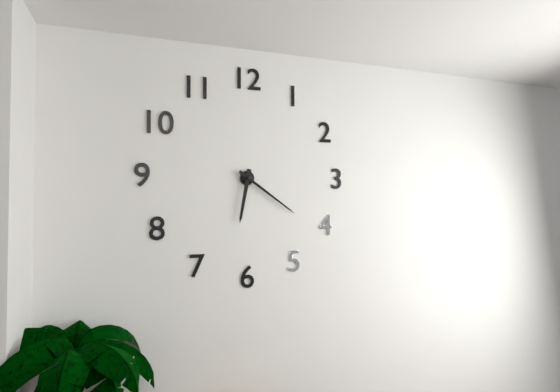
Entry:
6:21
